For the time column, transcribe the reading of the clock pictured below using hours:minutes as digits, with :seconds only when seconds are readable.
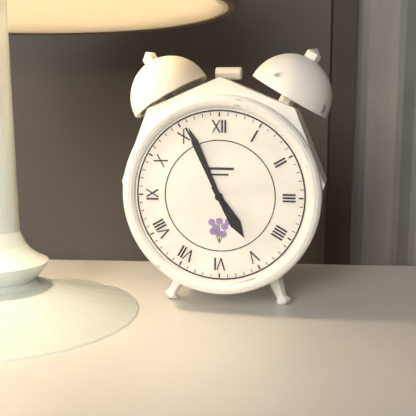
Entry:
4:56
